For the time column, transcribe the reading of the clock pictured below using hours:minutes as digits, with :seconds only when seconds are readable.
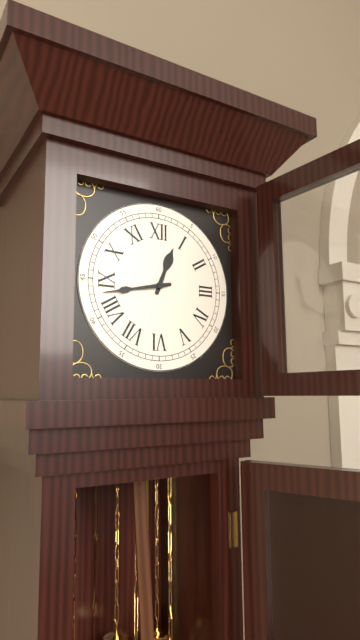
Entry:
12:43
